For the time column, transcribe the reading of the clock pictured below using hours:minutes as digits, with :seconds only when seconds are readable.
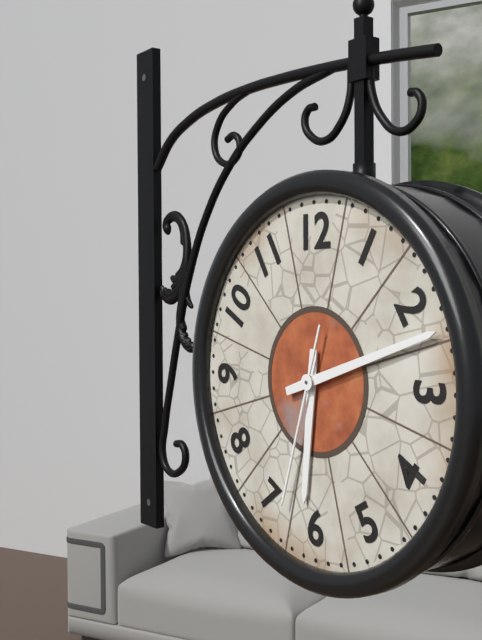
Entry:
6:12:33
